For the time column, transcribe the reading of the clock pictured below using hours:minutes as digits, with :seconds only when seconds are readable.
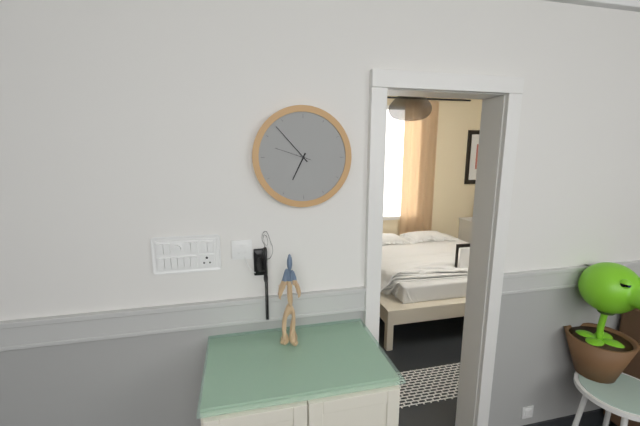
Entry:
6:53
